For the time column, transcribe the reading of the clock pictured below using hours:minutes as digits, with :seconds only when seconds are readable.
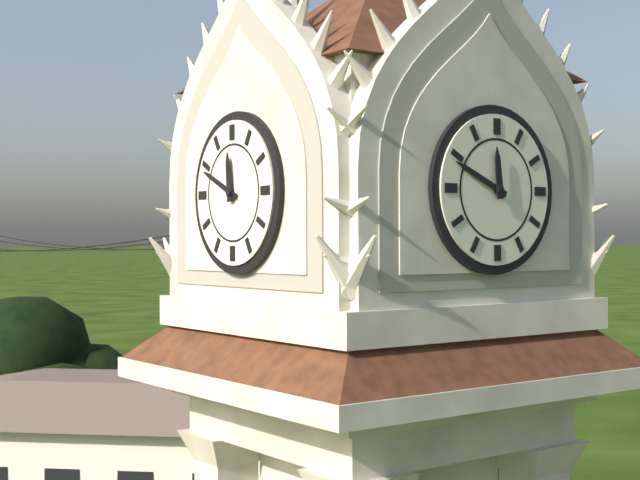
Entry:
11:49
